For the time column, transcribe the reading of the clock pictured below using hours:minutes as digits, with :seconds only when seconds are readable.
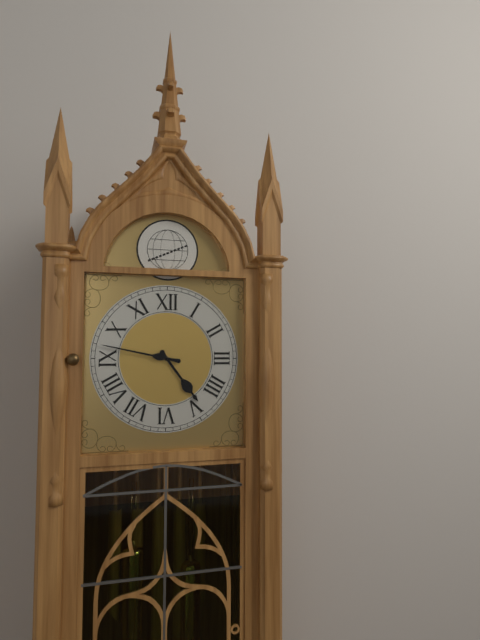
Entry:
4:47
